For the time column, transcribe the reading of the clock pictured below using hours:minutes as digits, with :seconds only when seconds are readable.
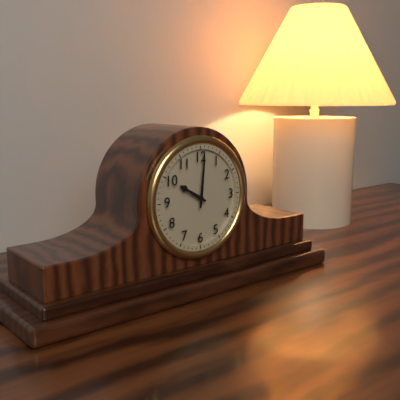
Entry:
10:01
